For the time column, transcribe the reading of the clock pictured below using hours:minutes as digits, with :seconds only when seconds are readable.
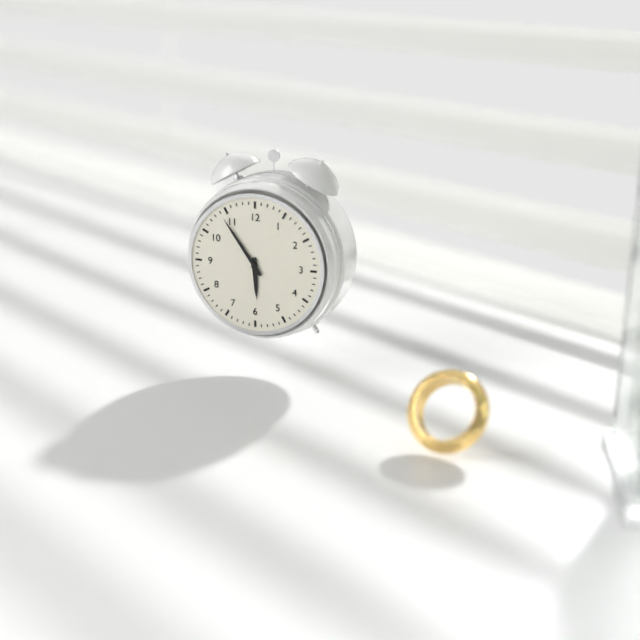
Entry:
5:54
